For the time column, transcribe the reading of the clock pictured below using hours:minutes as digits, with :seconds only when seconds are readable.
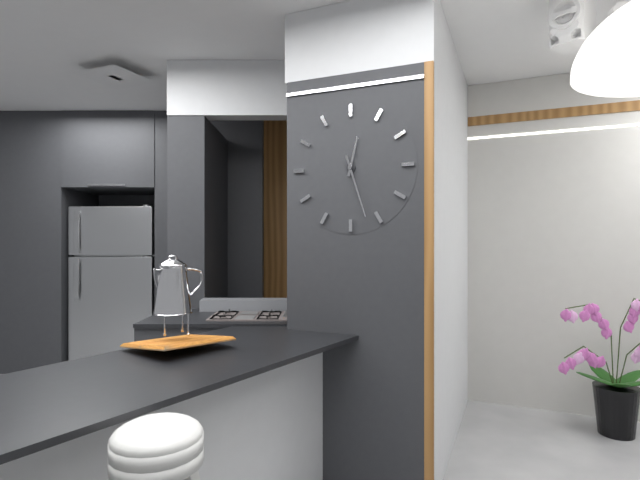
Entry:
12:27
